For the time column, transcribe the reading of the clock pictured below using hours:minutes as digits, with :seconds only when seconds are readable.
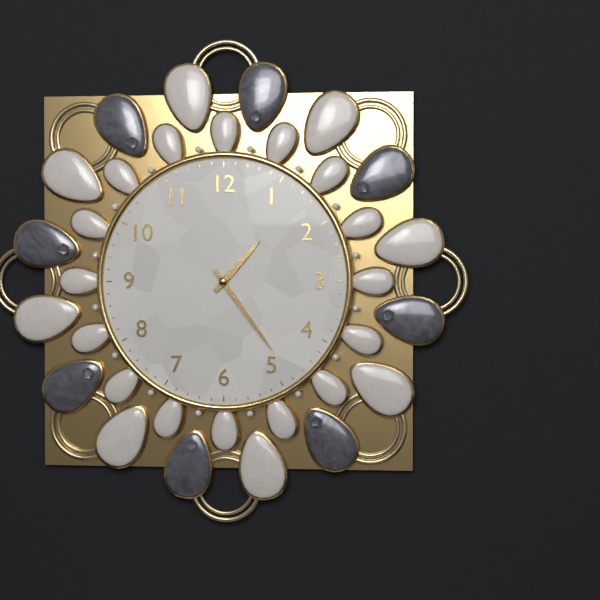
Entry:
1:24
